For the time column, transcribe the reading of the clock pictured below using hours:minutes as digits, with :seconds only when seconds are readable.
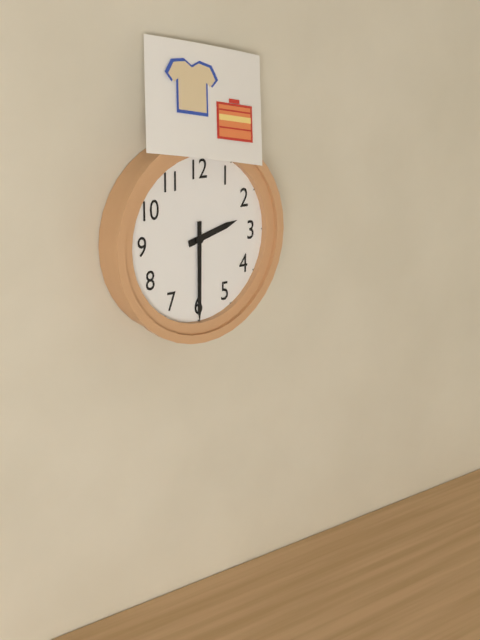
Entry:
2:30
